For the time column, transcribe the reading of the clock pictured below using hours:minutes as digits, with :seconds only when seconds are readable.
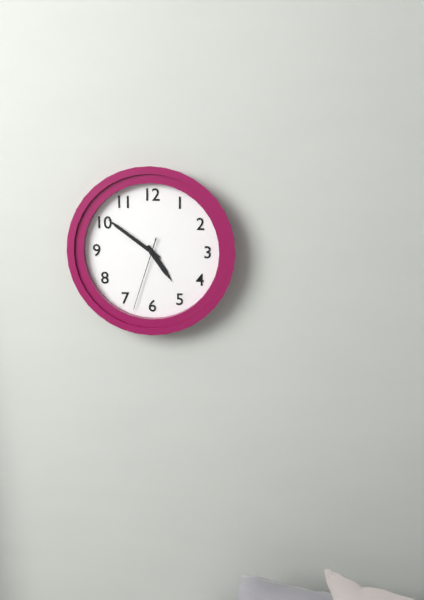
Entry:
4:51:33
